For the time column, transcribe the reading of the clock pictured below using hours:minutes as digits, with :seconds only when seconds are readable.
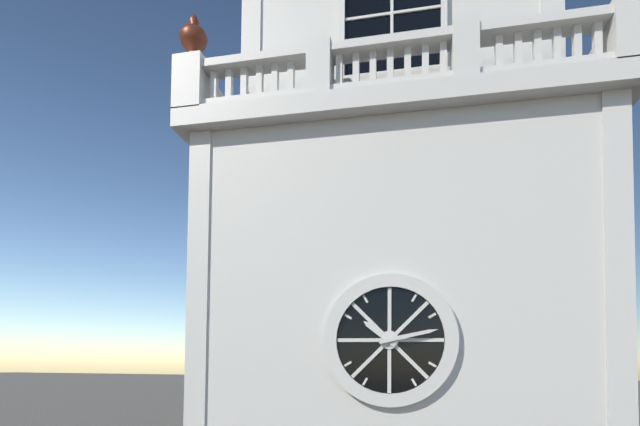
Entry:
10:13
